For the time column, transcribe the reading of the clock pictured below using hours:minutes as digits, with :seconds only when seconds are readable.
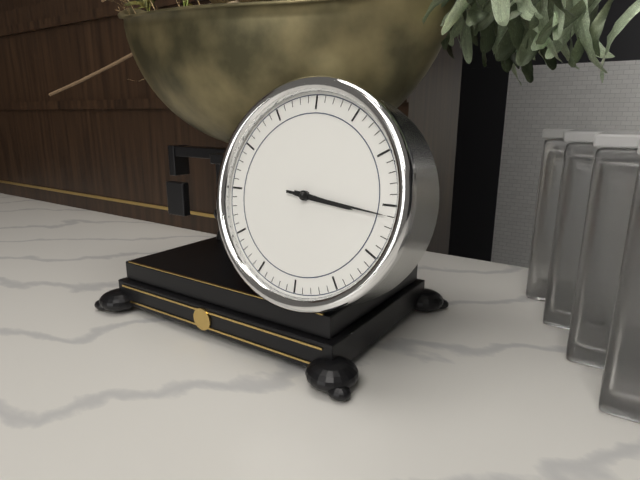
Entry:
3:16
